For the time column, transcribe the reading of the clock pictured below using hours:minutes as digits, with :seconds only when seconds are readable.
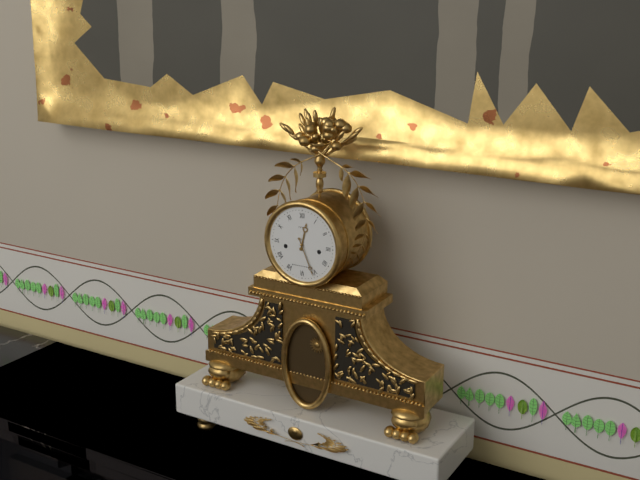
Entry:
12:26
